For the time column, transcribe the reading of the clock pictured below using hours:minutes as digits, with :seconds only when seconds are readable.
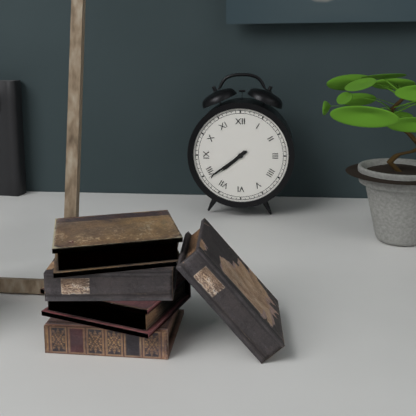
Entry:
7:39
